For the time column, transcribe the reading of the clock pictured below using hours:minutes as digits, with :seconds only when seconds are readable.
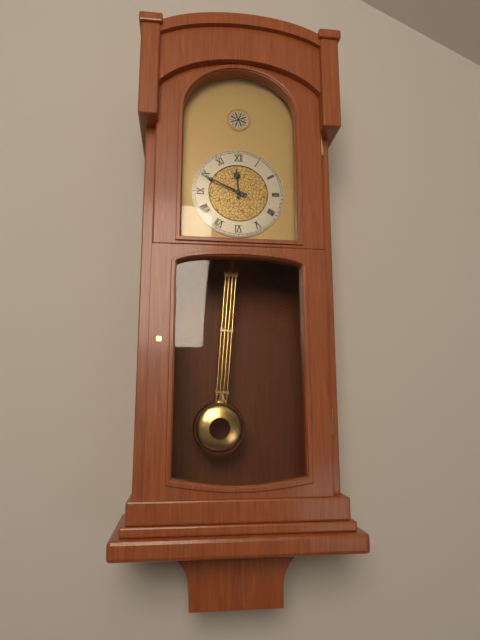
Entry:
11:49
